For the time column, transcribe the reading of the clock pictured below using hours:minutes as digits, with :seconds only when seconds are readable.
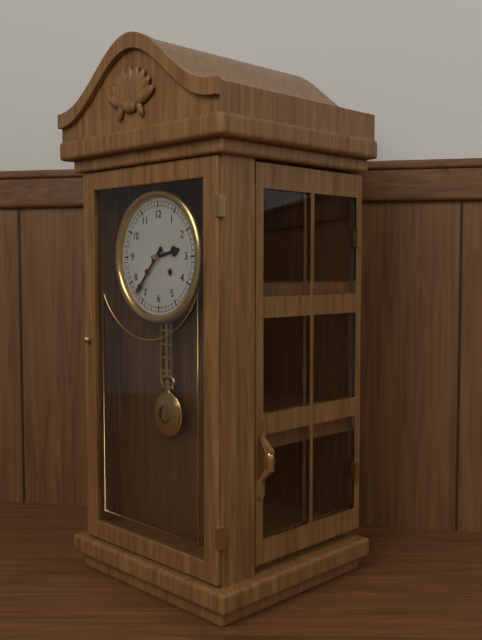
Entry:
2:37
